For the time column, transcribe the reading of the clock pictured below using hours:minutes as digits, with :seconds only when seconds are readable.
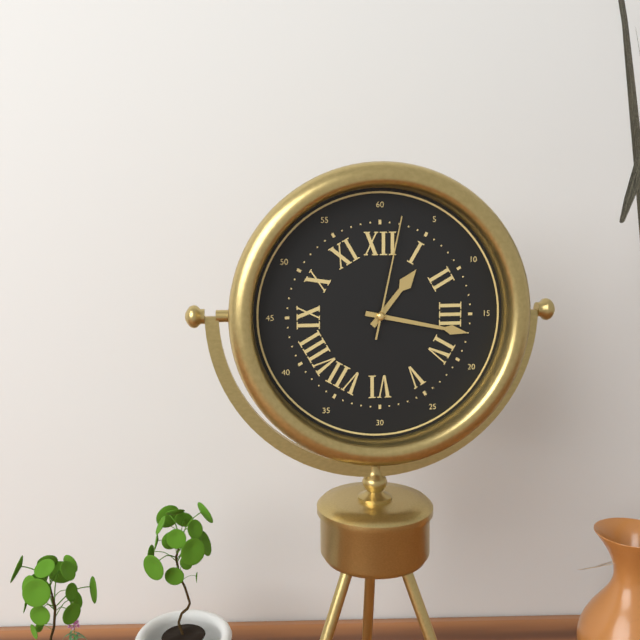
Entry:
1:17:02
